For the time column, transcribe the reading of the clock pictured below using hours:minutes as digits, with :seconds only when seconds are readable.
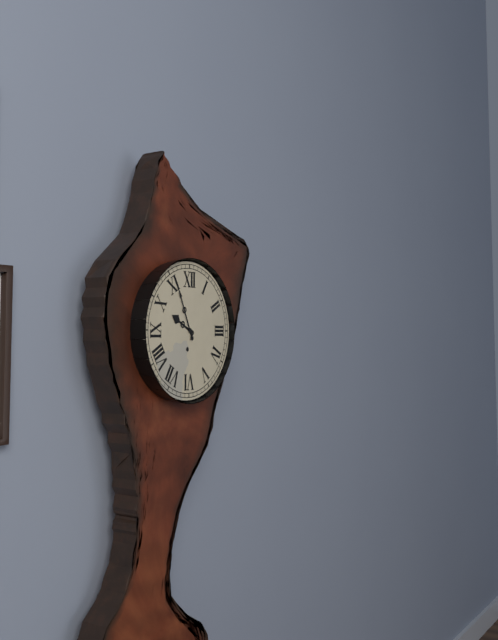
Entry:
9:56
